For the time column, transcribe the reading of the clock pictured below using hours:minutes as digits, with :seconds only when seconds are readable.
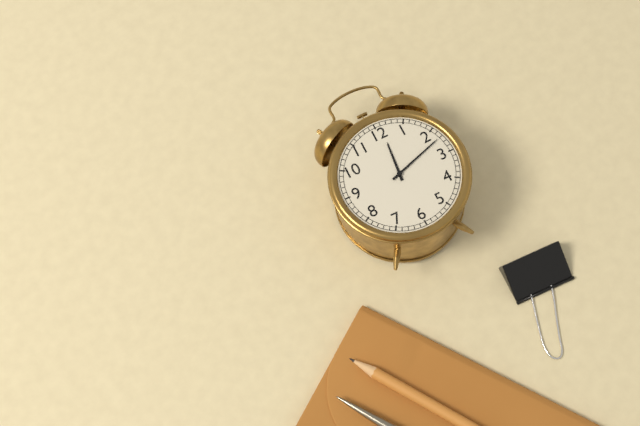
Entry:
12:12
